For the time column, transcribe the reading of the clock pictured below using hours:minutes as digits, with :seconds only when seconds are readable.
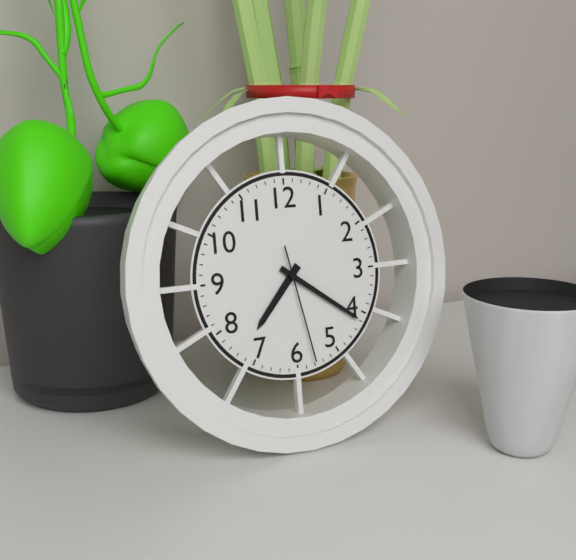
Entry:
7:21:28
